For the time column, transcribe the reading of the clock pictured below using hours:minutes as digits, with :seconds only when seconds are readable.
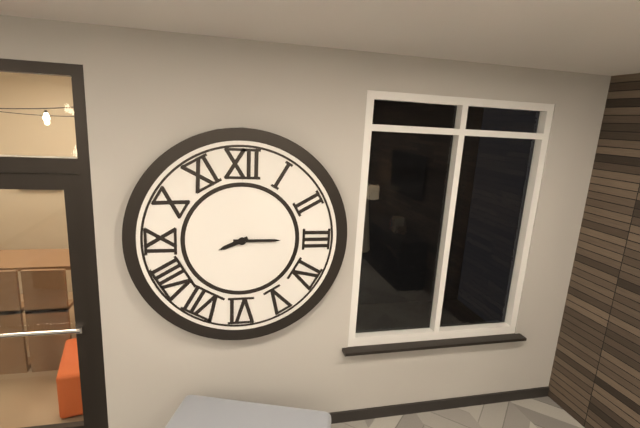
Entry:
8:15
